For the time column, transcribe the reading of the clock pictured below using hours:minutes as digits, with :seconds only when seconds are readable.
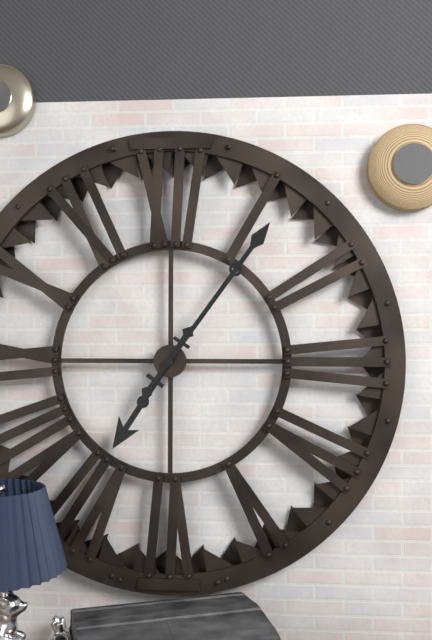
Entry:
7:06
